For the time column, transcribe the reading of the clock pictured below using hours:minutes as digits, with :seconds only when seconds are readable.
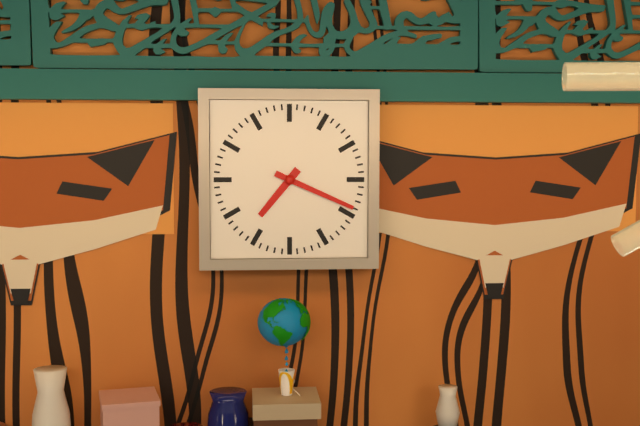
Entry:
7:19
